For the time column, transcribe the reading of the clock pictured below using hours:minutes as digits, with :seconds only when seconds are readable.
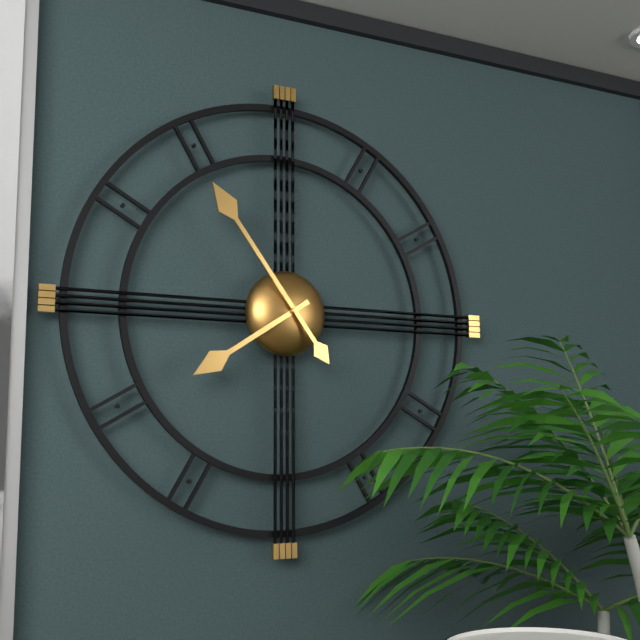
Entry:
7:54
